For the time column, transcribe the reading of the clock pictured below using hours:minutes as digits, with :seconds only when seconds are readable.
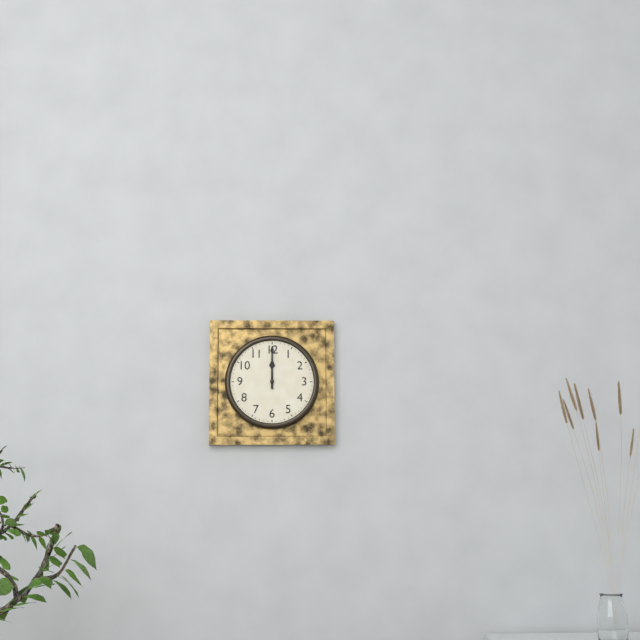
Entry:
12:00
